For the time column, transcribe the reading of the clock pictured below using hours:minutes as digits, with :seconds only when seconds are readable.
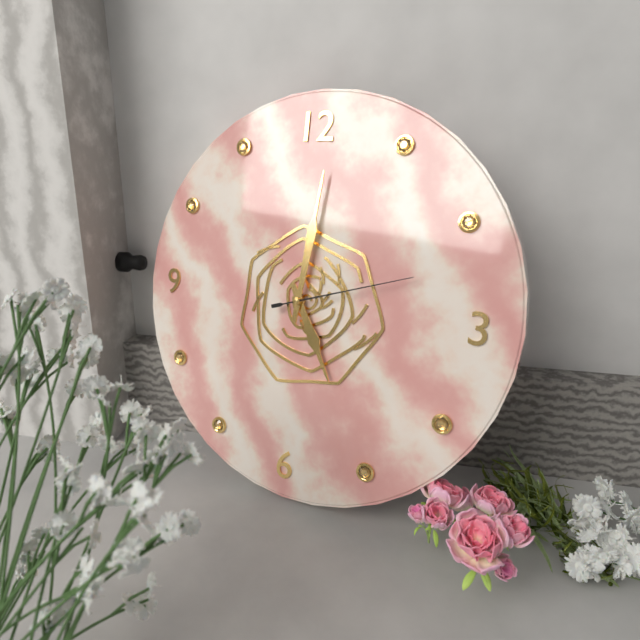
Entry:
5:01:12
